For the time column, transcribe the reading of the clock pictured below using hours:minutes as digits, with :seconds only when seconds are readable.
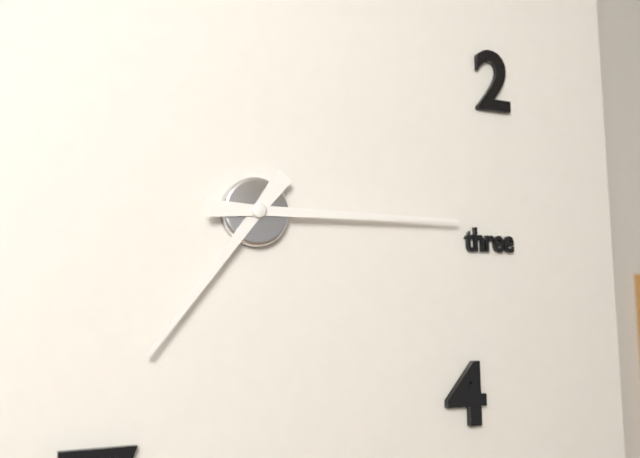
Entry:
7:15
